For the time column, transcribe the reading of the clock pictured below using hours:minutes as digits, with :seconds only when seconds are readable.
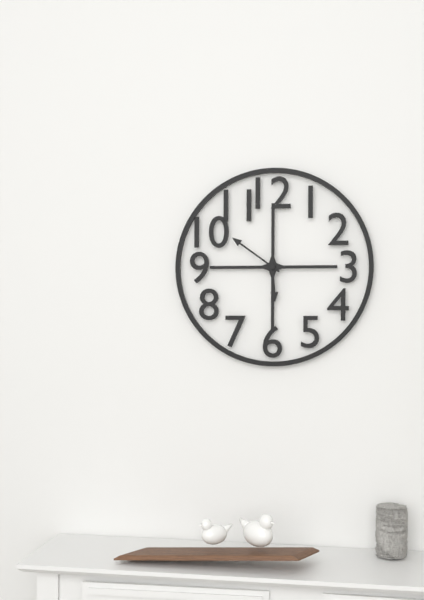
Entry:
5:51
